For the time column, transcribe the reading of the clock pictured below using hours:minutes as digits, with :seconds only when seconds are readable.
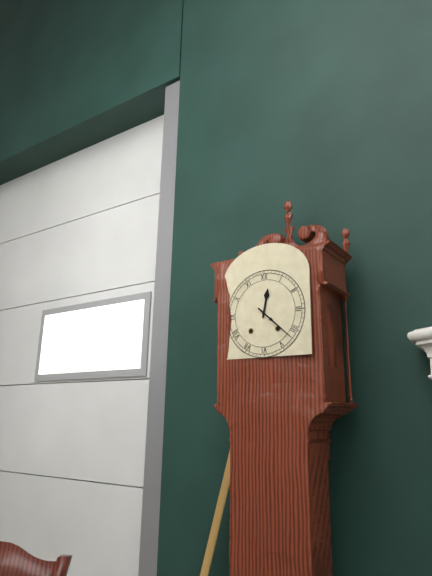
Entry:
12:22
